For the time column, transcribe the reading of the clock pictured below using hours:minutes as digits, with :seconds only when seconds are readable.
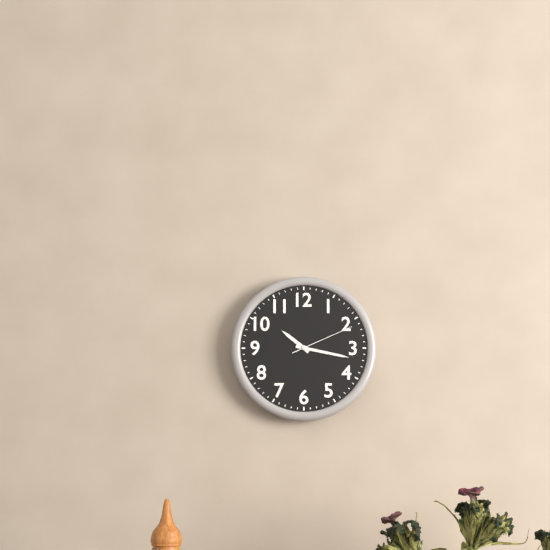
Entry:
10:17:11
